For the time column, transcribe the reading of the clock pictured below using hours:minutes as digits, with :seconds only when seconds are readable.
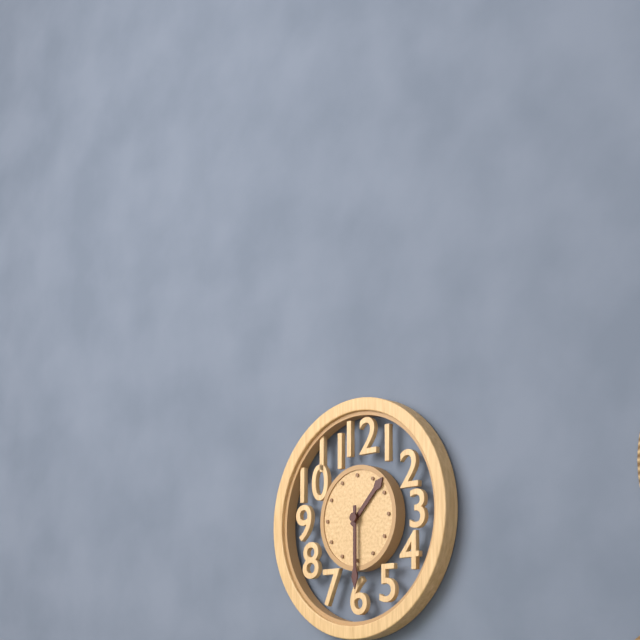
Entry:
1:30
